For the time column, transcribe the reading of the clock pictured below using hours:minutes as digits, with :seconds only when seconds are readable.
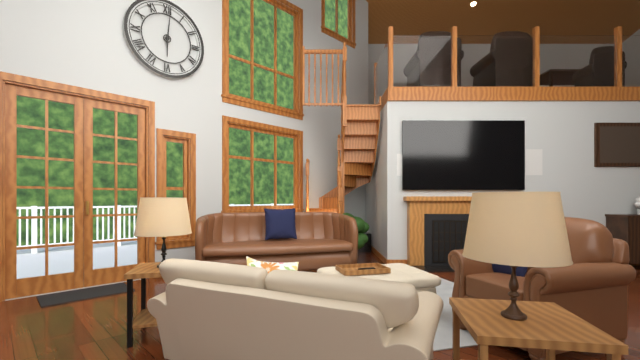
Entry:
6:01
